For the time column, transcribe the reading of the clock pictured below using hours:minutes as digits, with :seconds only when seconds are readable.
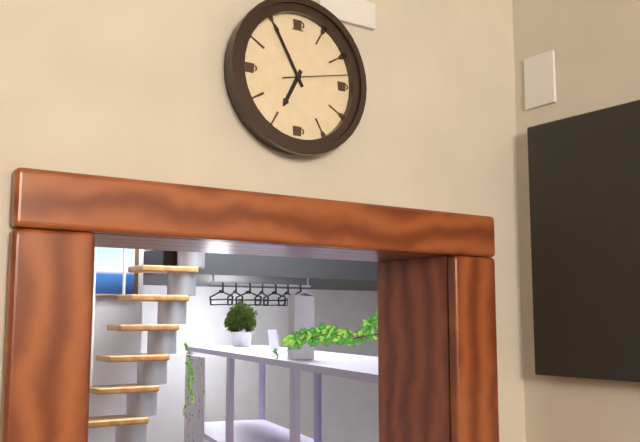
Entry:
6:55:13
